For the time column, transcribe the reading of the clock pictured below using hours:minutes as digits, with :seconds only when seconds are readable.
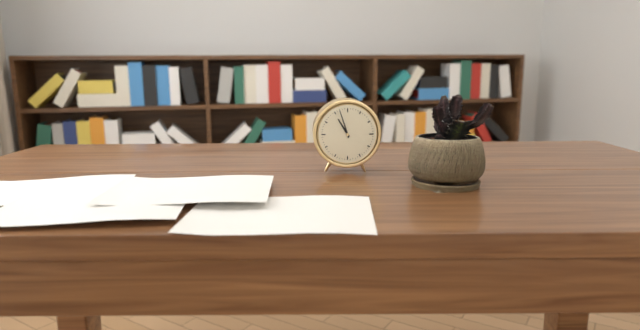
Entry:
10:57
